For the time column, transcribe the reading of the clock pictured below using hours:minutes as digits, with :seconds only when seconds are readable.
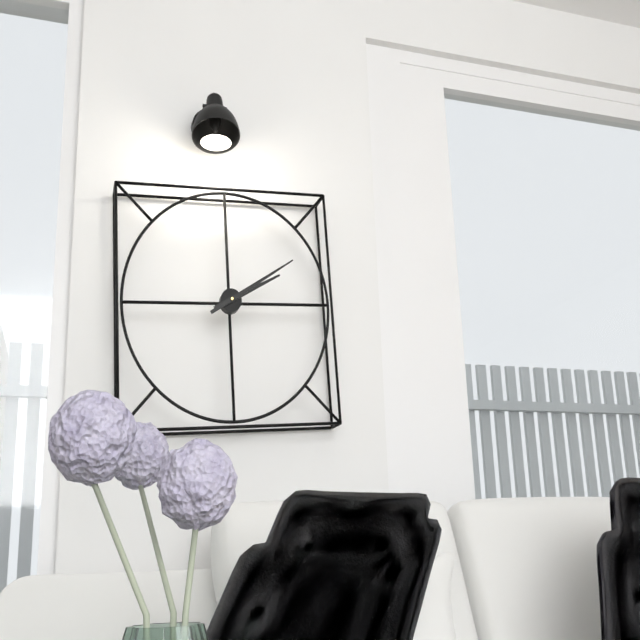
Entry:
2:10
